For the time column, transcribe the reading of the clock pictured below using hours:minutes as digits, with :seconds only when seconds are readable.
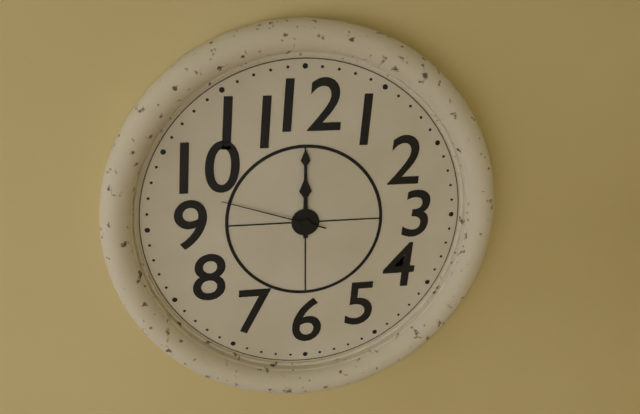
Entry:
12:00:48
